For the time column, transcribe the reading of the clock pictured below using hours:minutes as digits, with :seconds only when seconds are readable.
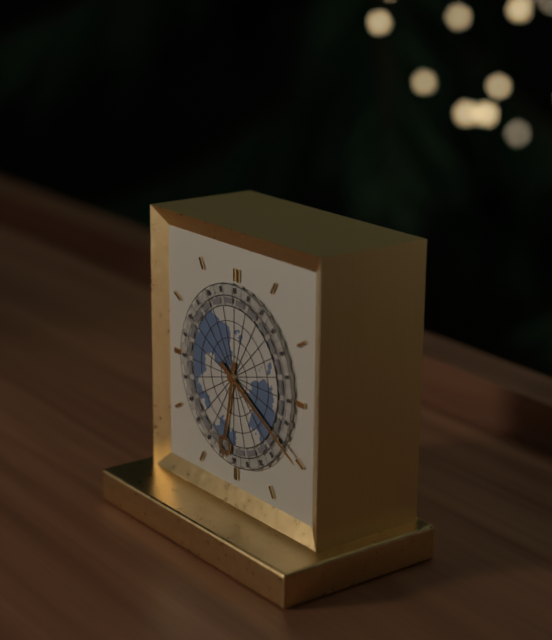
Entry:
6:20
